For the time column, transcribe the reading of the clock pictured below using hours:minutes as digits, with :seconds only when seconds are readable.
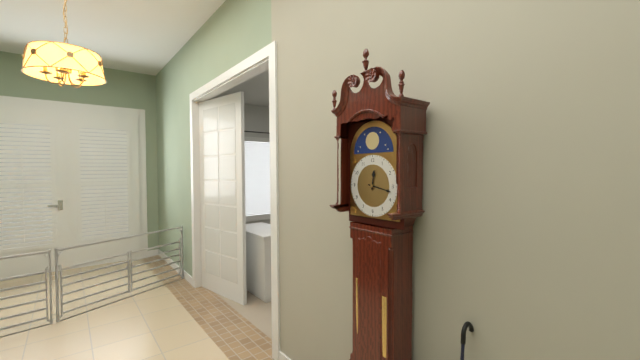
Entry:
12:17
